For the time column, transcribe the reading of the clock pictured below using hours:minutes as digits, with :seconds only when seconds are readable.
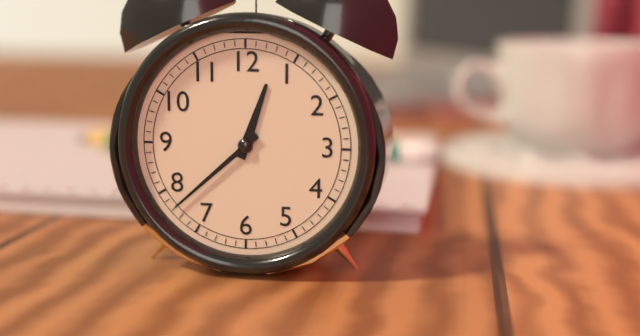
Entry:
12:38
